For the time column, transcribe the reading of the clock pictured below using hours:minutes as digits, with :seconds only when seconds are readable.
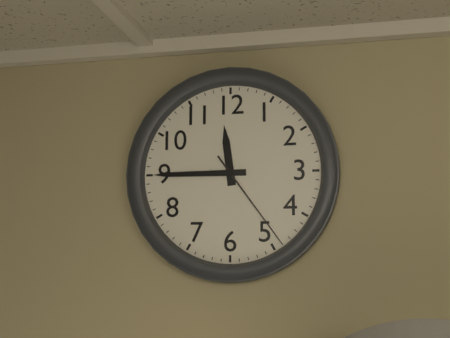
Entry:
11:45:24
